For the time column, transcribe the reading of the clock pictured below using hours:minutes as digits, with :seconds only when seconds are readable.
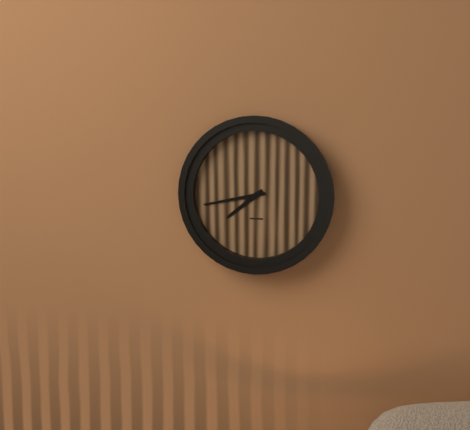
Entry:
7:43
